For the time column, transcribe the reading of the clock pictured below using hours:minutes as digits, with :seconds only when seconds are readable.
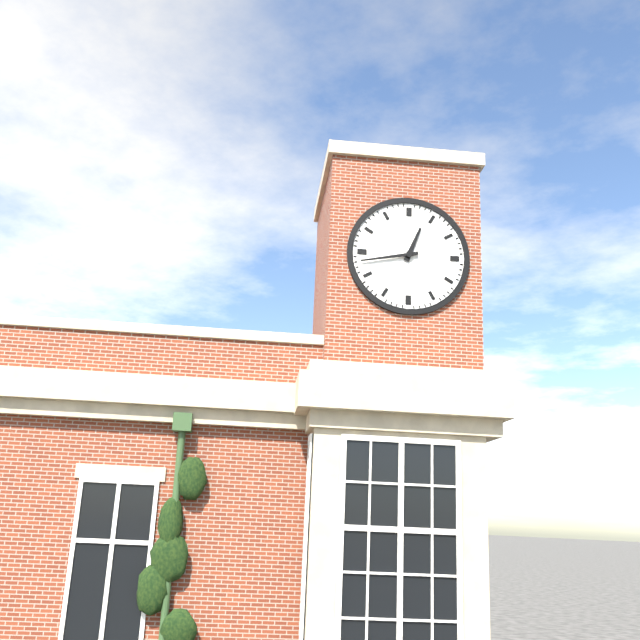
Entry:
12:43
